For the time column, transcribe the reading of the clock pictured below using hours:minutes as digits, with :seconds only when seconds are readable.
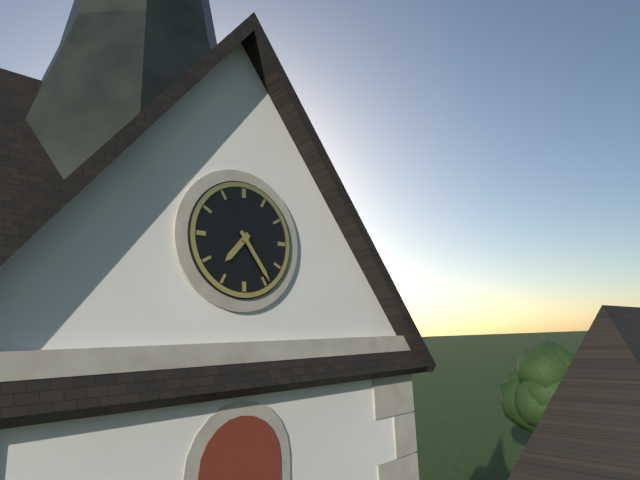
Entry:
7:24
